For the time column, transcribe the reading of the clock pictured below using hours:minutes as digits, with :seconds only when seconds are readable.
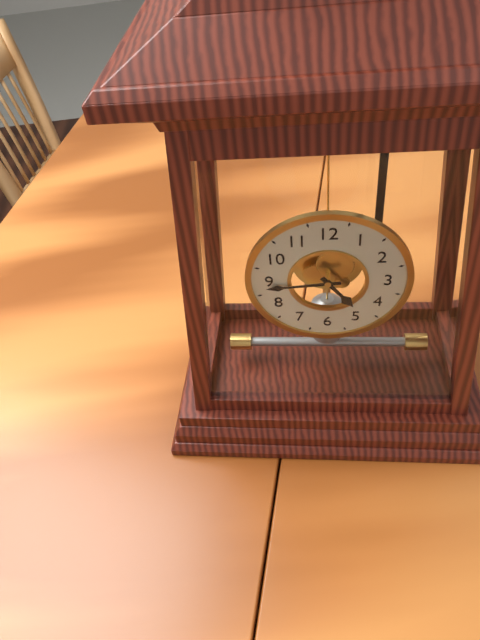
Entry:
4:44
